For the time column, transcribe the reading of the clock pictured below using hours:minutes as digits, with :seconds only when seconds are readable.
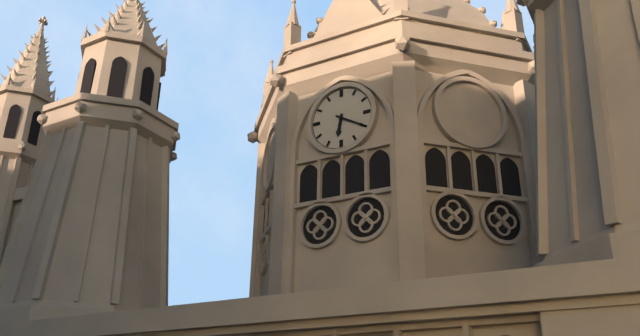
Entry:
6:20
